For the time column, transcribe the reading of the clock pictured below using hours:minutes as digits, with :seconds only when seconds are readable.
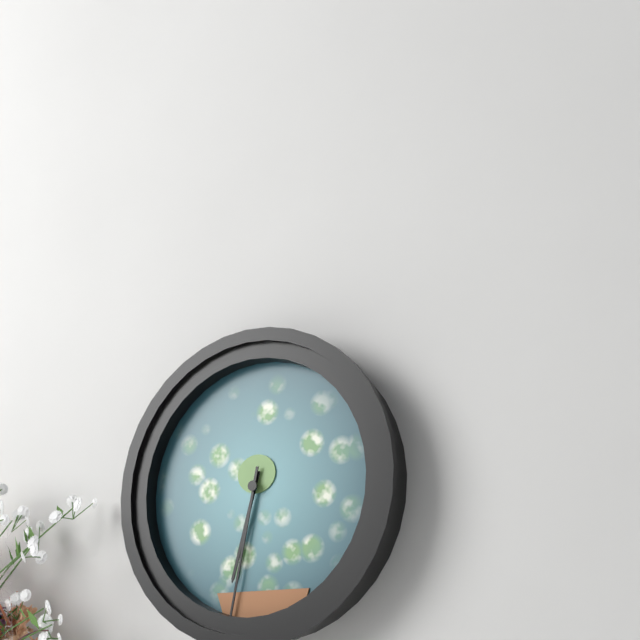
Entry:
6:32
